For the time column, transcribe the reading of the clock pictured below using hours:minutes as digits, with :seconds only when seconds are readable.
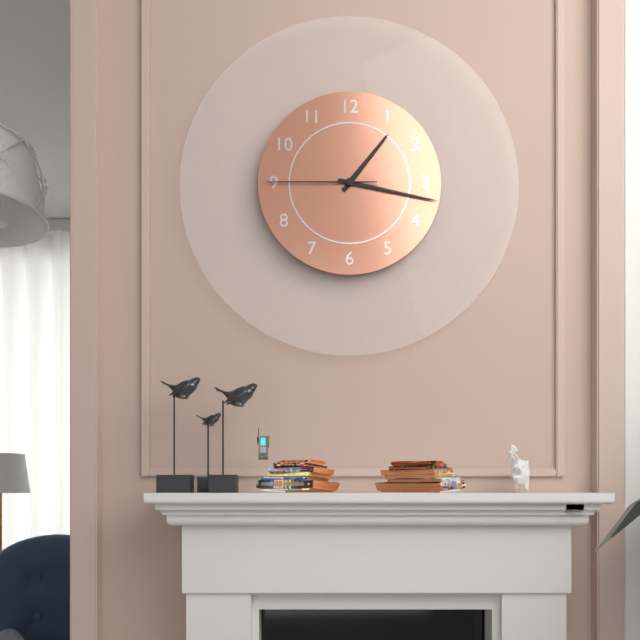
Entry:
1:17:45
